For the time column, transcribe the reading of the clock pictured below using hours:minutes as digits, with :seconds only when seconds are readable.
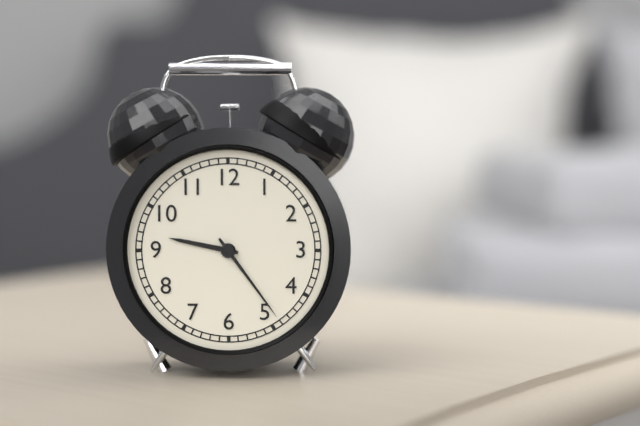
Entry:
9:24
